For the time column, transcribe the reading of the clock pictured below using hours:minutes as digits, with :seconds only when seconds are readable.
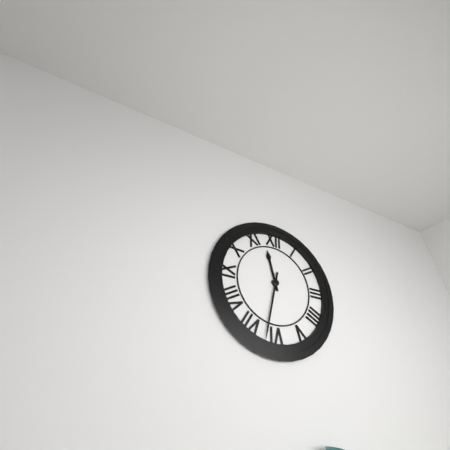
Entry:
11:32
